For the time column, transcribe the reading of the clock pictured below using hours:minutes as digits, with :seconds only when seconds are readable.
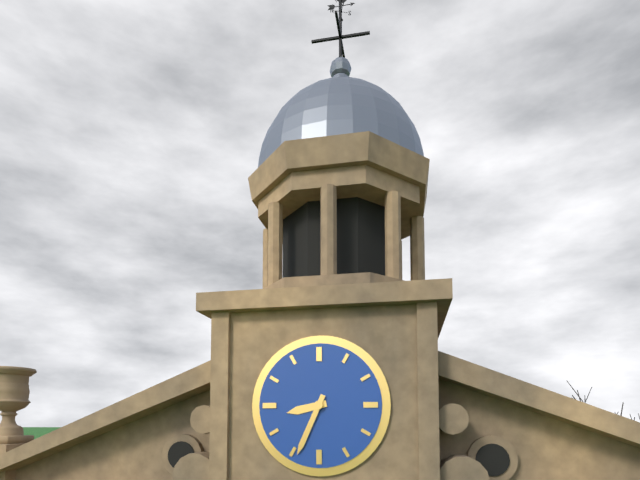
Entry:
8:34
